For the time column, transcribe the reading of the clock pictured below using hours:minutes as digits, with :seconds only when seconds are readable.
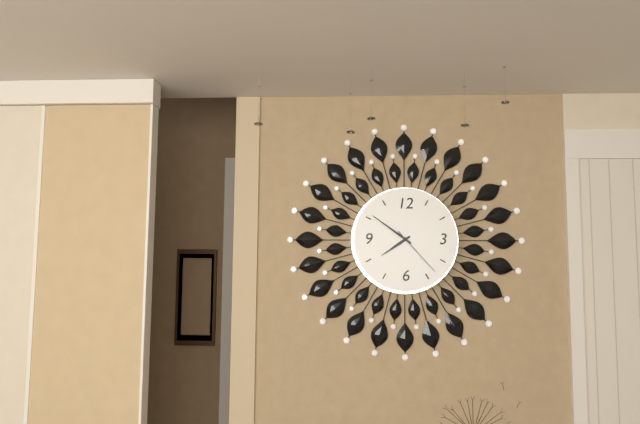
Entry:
7:51:23
